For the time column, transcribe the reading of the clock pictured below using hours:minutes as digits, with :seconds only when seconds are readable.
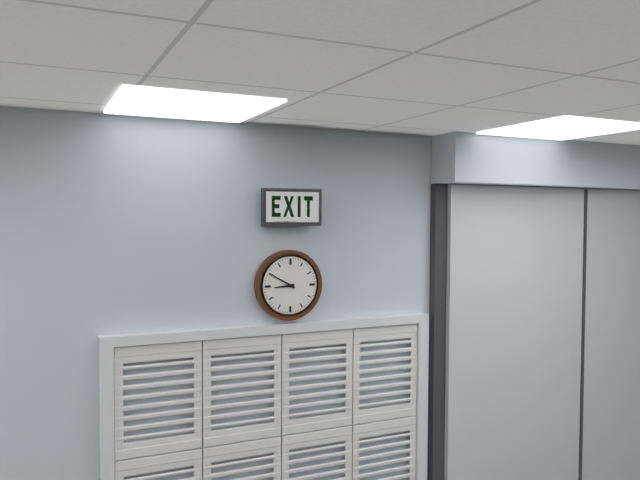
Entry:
8:50
